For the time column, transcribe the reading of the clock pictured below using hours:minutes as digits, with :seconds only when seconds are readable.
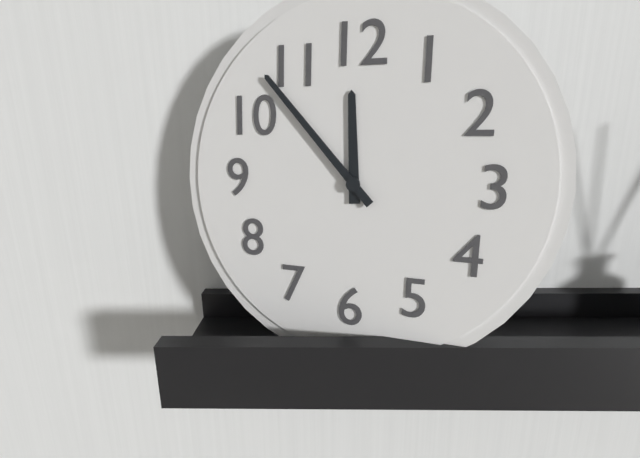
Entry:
11:53
